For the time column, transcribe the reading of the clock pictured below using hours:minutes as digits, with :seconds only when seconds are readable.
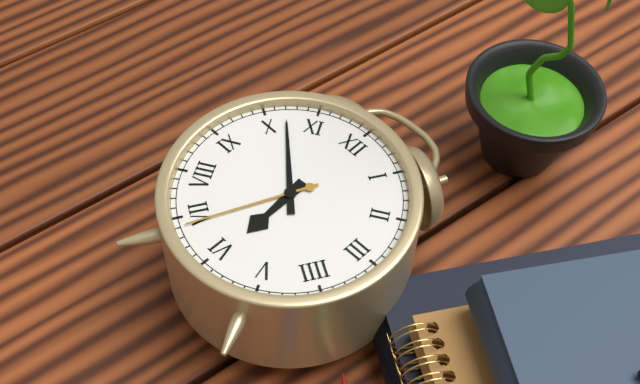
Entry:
5:52:34
